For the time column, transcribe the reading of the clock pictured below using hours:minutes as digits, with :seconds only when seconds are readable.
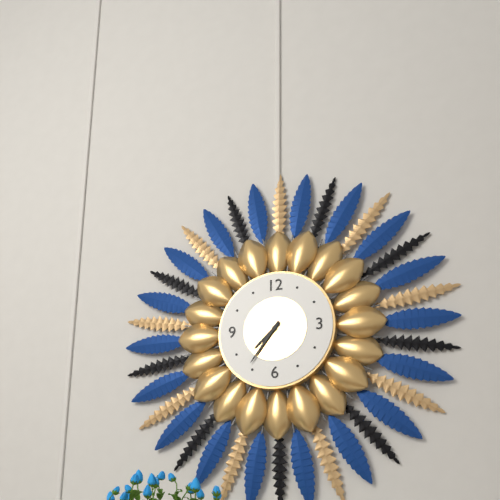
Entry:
7:36
